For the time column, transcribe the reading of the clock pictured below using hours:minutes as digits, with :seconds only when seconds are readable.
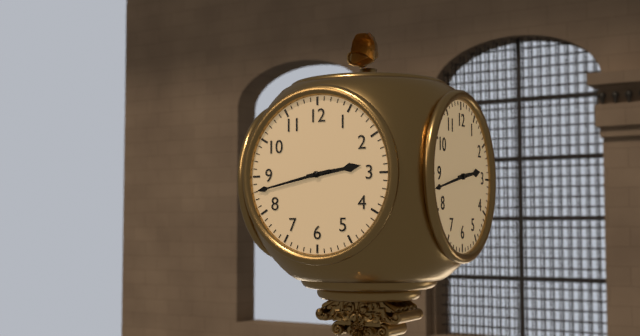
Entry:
2:43
